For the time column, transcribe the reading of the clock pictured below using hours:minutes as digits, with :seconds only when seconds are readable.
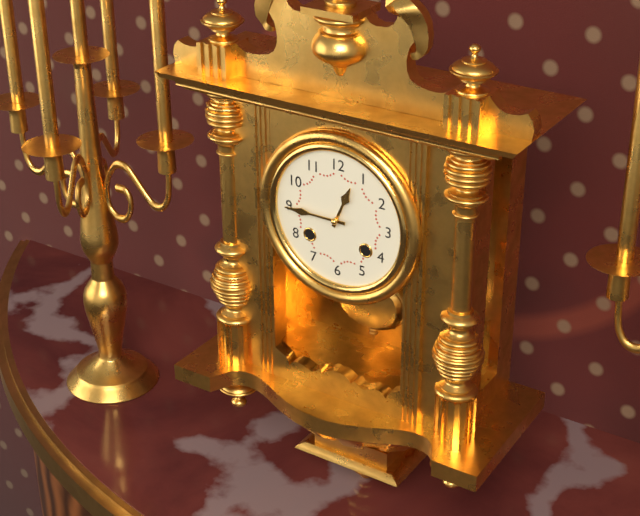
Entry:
12:45
